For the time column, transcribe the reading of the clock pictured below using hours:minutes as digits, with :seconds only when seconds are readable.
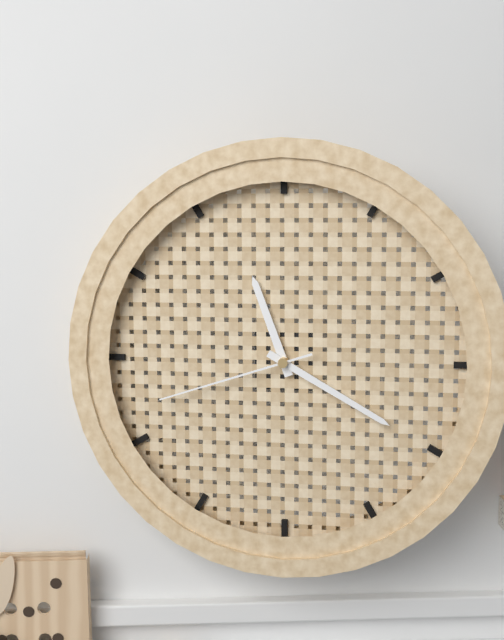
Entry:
11:20:42
